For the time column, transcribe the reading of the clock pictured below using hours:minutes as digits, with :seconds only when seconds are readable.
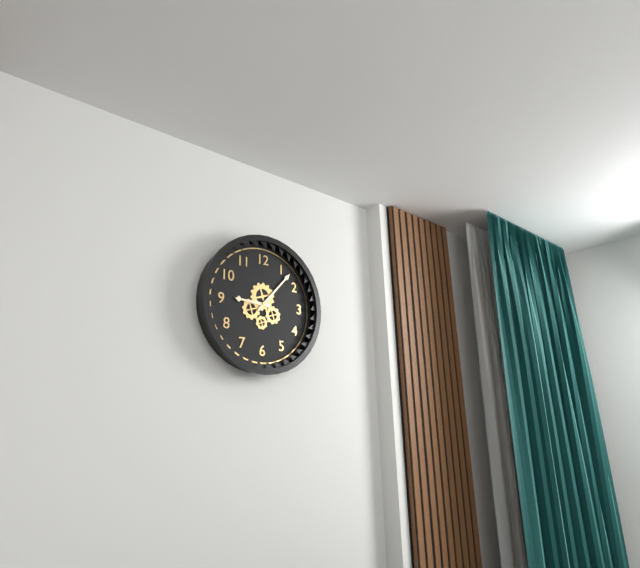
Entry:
9:07
